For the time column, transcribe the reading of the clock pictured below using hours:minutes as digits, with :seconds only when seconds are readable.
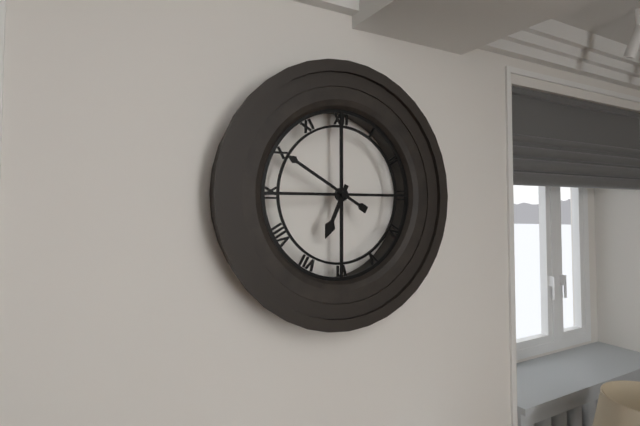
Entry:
6:50
